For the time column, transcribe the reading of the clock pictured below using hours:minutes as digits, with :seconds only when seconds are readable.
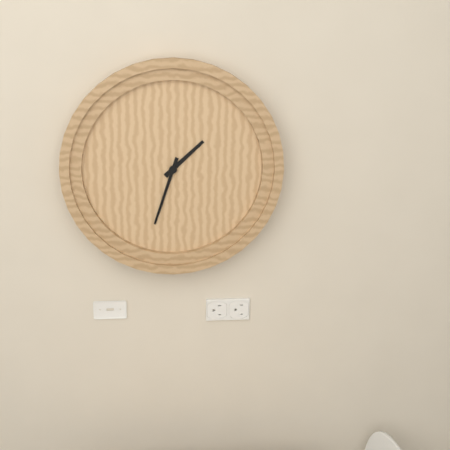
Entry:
1:33
